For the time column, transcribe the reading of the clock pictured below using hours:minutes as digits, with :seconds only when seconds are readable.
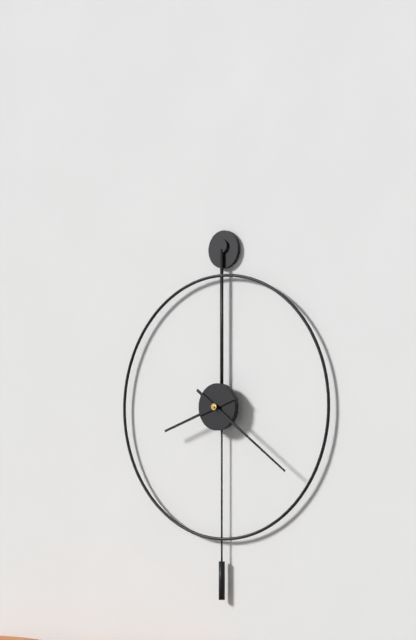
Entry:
8:21
